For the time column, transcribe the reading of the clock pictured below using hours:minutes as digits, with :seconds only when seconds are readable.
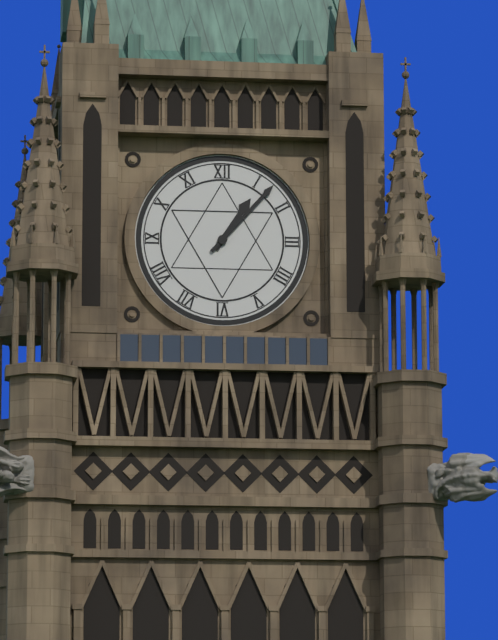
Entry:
1:07
